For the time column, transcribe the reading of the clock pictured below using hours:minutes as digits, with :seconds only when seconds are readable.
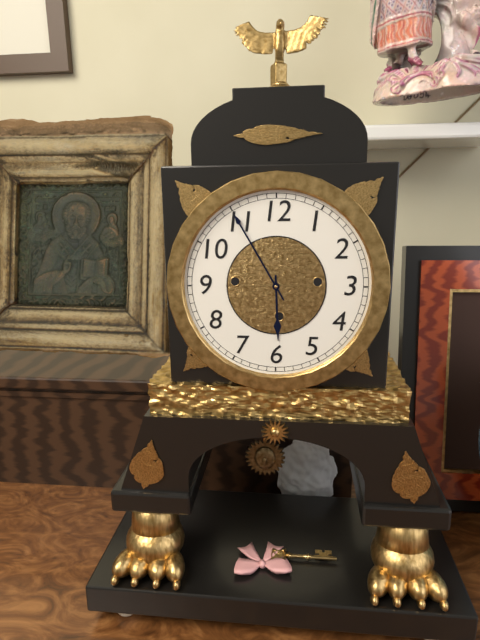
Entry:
5:55
